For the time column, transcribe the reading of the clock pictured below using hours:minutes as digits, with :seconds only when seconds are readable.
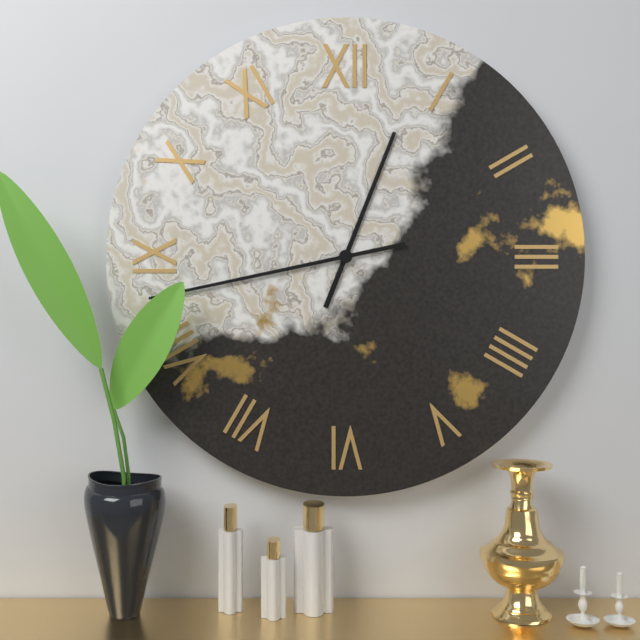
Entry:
12:43
